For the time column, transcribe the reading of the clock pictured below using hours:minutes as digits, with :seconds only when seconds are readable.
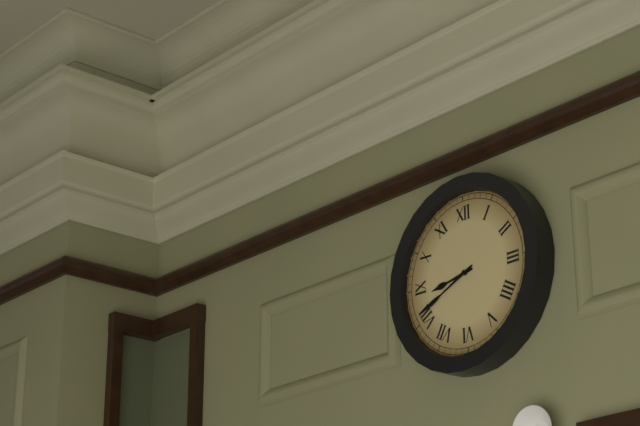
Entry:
8:41
